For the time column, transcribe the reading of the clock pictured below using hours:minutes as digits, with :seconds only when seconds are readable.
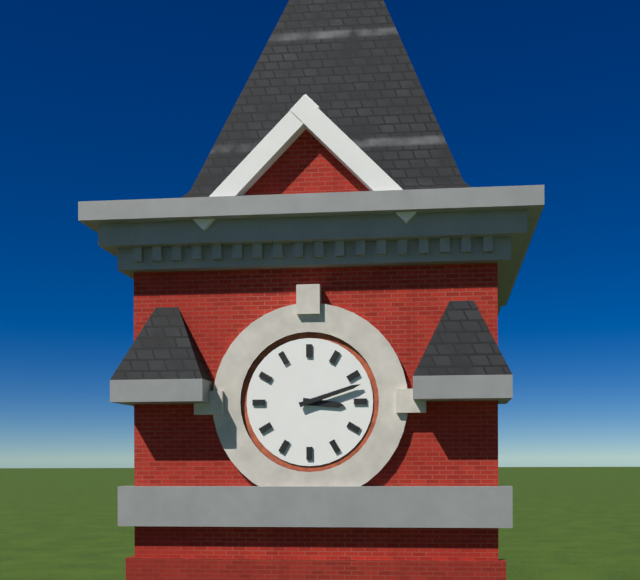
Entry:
3:12
